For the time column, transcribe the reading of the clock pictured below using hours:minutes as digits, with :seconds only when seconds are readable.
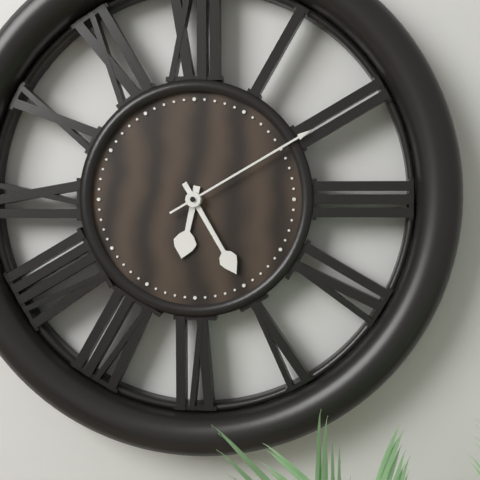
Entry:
6:25:10
